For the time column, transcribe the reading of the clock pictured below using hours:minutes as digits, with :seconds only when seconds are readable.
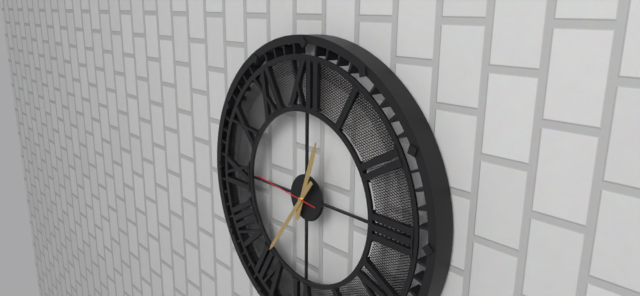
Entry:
12:36:46
